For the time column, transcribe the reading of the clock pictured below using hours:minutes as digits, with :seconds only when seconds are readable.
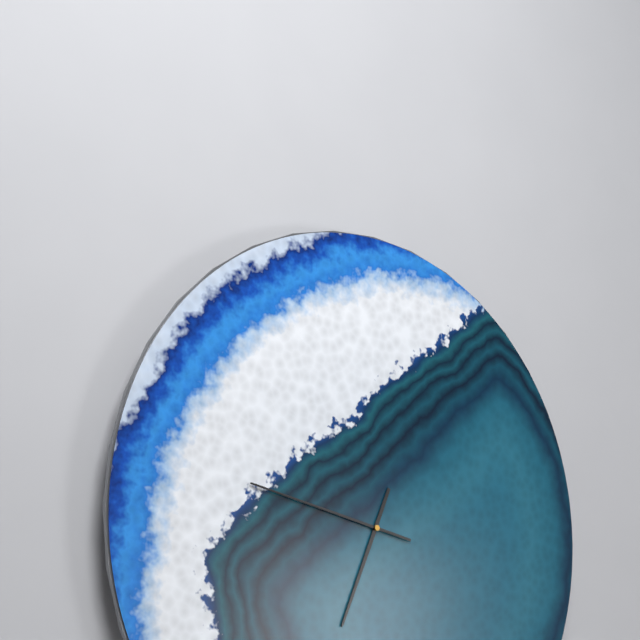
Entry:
6:47
